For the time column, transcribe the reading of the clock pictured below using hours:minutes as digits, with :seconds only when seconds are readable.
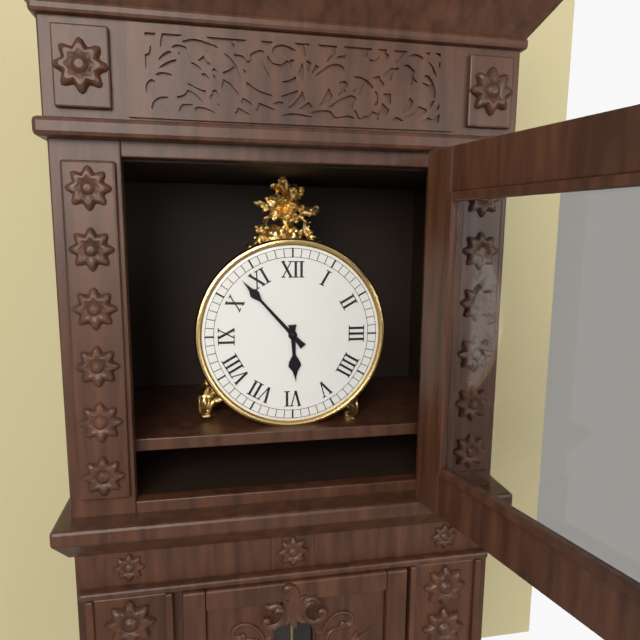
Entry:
5:53
